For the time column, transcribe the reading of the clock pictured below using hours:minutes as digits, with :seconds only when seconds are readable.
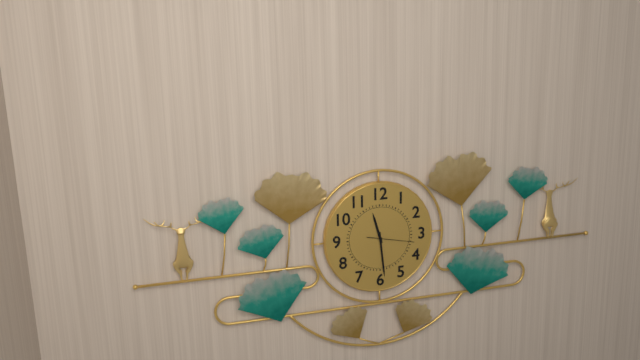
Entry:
11:29
